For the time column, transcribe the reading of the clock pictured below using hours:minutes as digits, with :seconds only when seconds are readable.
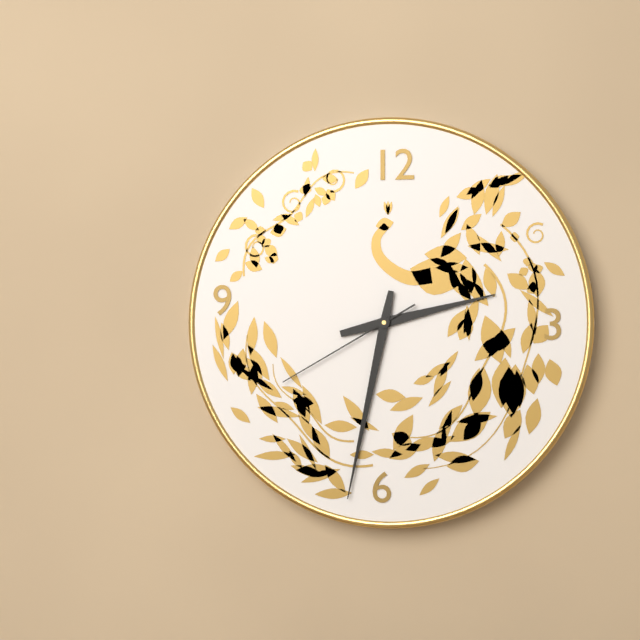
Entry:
2:32:40
